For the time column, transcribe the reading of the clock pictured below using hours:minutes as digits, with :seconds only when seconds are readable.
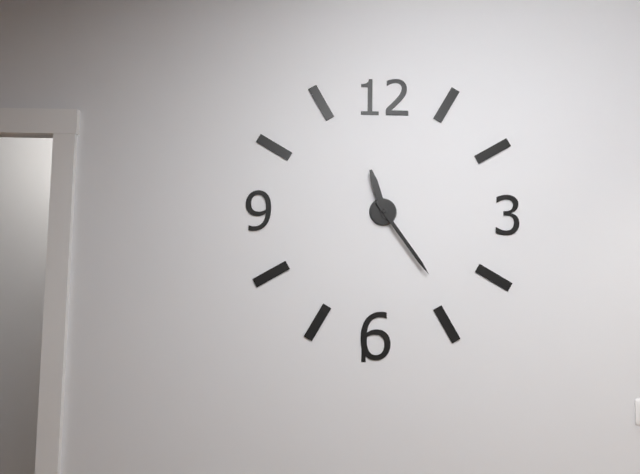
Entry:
11:24
